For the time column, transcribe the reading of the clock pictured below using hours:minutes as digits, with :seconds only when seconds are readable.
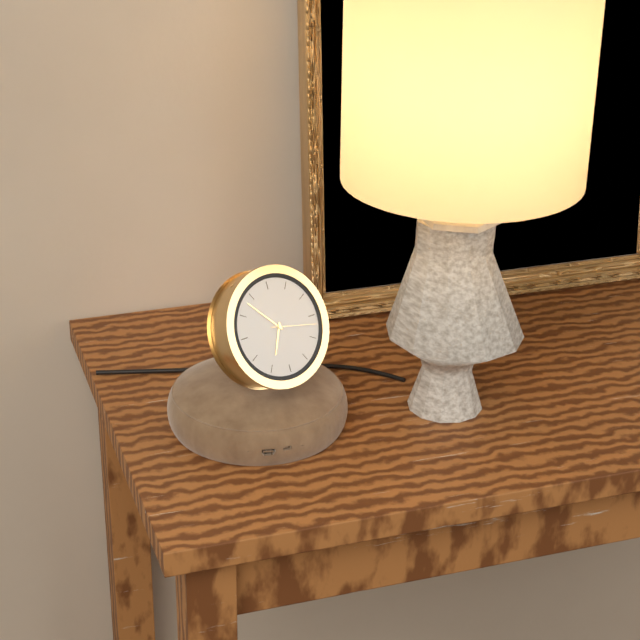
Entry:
6:53
